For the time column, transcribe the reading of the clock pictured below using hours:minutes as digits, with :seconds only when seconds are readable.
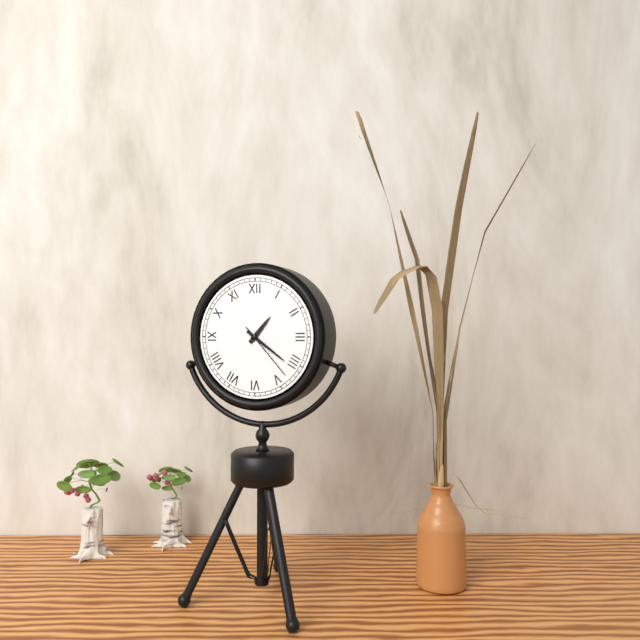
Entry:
1:21:23
